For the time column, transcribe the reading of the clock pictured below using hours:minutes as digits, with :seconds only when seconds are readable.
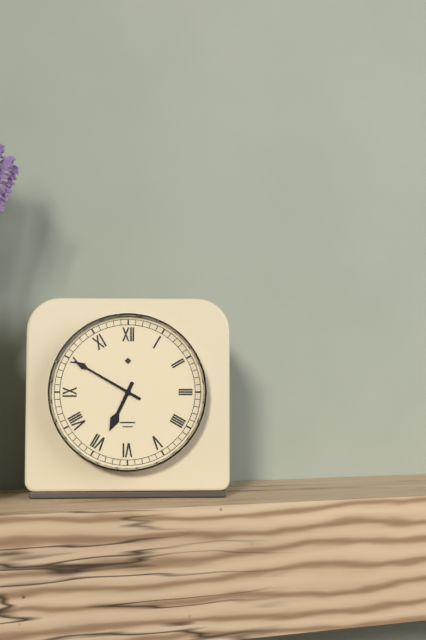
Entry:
6:50
